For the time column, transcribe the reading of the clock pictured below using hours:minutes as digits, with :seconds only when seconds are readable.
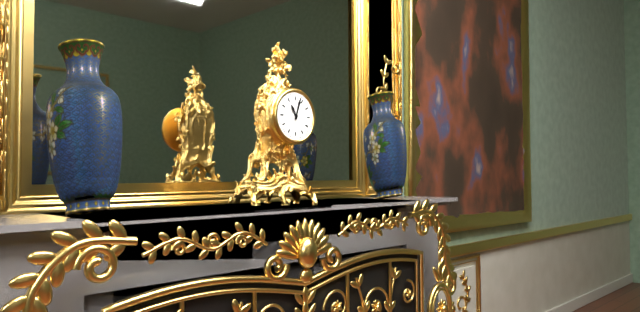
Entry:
11:03
